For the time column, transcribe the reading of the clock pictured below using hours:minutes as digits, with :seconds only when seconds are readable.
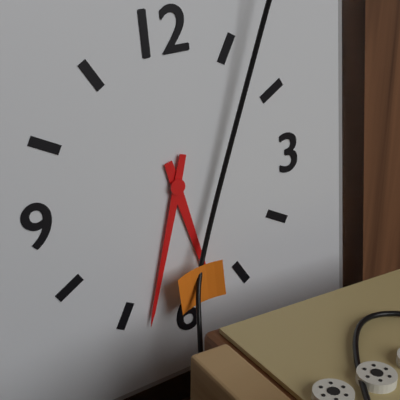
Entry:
5:33
